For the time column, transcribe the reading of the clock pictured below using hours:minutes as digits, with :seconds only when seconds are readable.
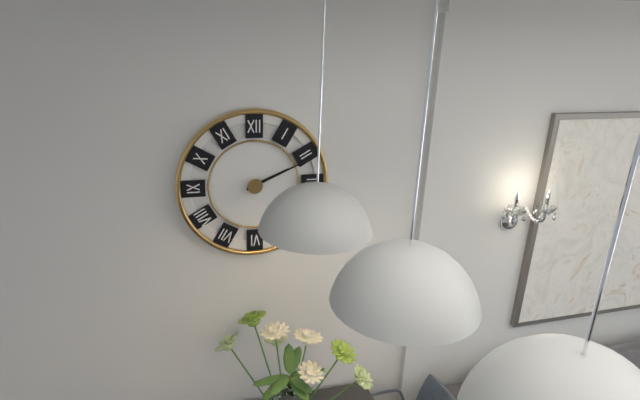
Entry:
2:11
